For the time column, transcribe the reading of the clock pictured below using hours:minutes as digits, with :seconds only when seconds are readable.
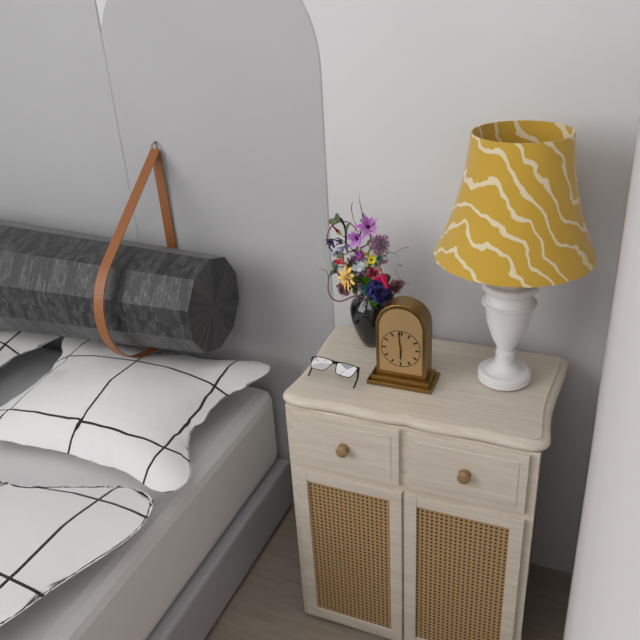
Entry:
5:59
